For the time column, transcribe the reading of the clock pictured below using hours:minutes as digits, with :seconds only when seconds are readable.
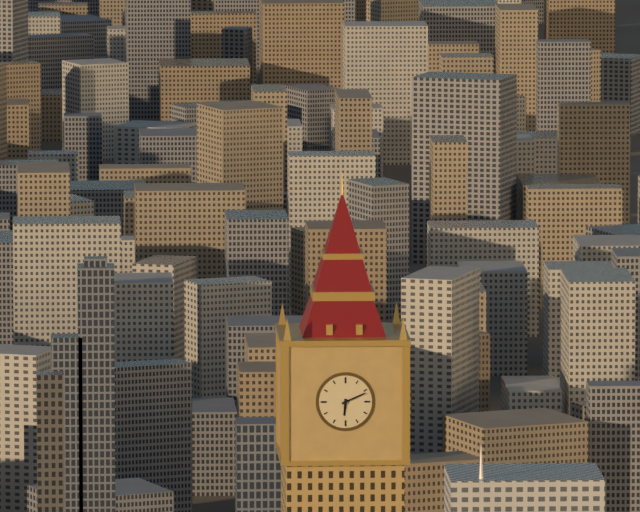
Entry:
6:11
